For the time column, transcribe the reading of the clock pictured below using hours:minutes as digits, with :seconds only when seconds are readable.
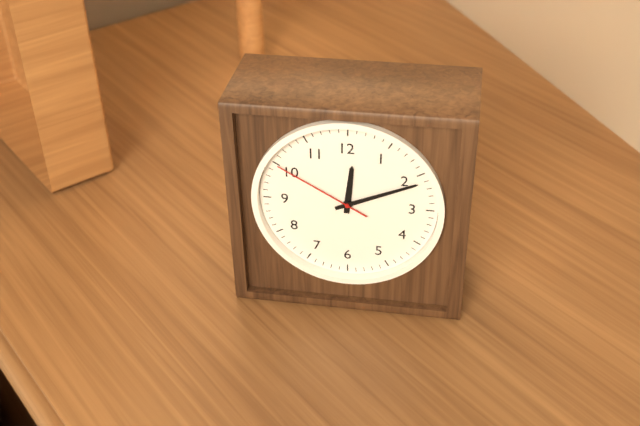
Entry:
12:11:50
